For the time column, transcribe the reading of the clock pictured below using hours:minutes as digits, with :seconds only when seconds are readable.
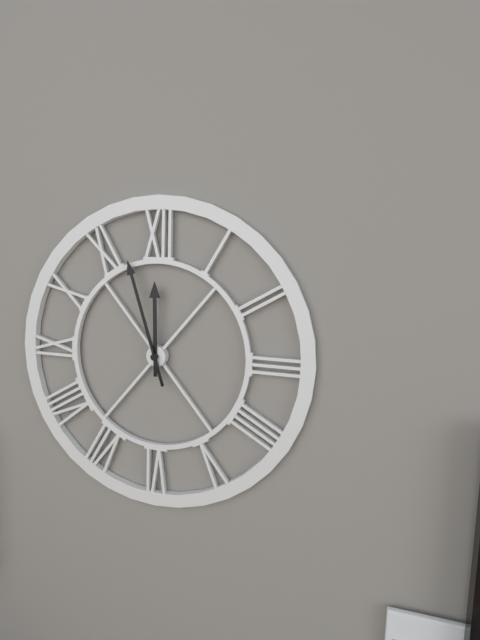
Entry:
11:57
